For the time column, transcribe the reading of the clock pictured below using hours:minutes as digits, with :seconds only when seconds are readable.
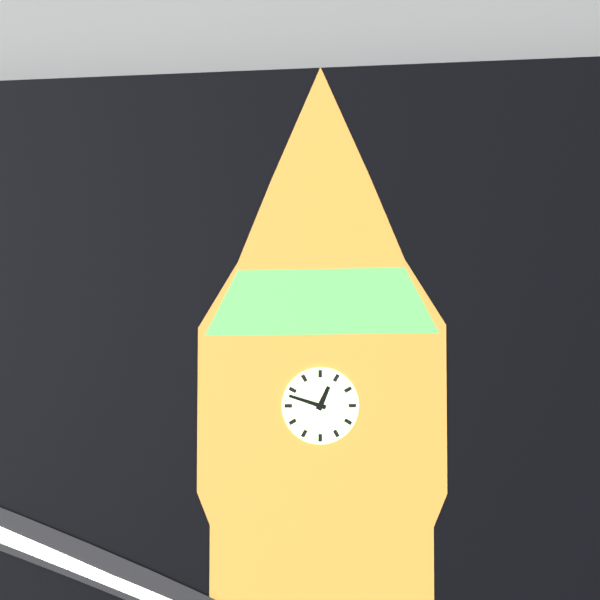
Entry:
12:48
